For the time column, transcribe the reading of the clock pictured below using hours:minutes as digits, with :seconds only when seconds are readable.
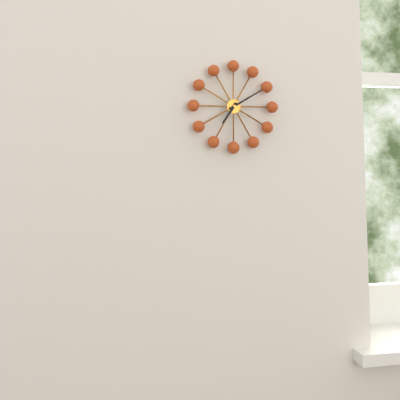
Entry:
7:10
